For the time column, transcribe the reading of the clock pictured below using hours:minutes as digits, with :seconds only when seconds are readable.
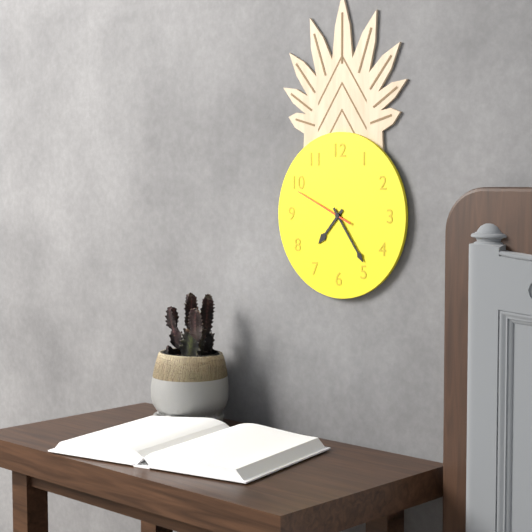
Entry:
7:24:49
